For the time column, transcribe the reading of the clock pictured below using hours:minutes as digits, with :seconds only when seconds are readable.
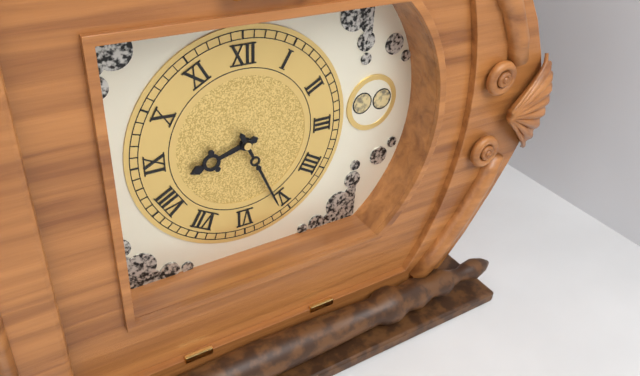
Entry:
8:26
